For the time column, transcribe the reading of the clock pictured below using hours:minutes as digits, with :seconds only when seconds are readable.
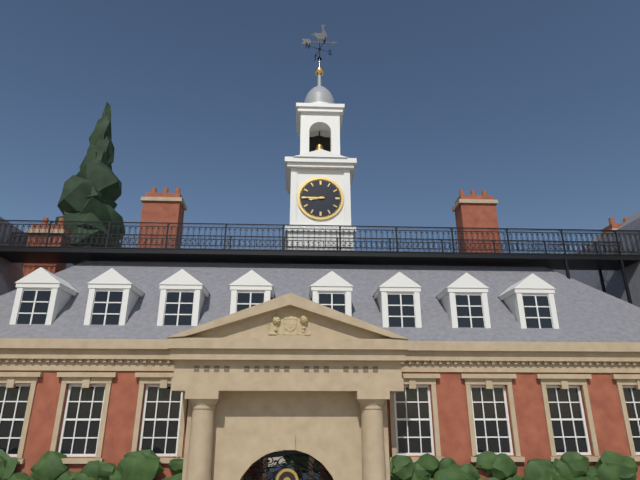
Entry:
8:45
